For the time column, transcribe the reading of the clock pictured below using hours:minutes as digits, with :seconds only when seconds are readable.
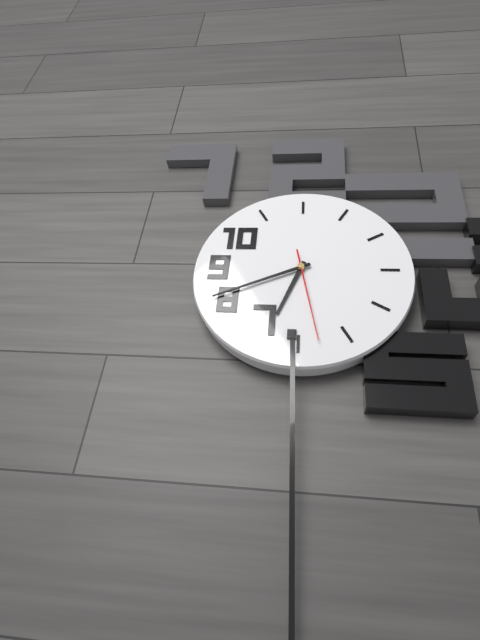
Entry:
6:41:28
